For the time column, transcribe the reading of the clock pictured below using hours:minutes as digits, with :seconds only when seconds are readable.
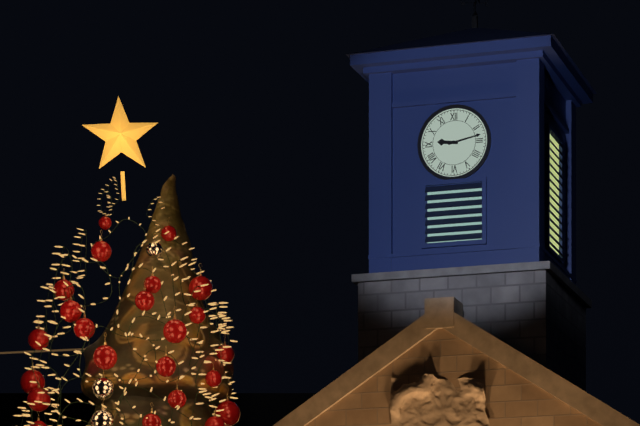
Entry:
9:13
